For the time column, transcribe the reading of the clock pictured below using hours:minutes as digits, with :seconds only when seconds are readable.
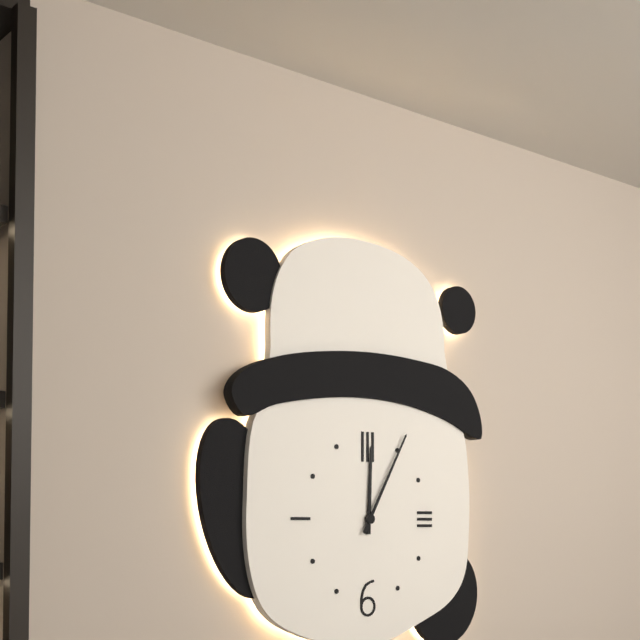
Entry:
12:05
